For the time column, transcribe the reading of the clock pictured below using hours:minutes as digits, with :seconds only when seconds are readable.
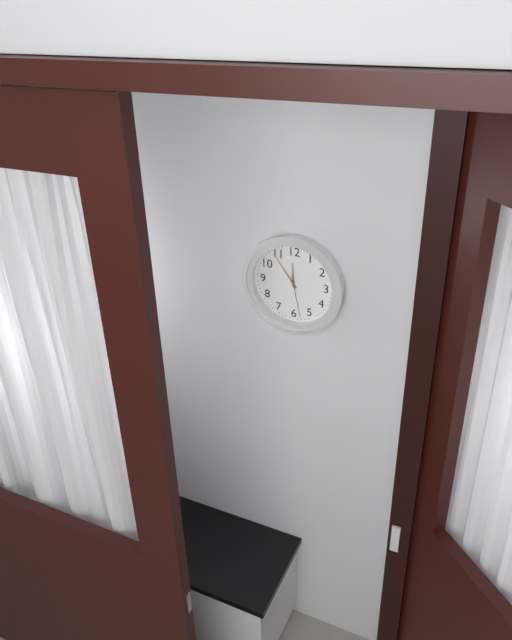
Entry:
11:54
